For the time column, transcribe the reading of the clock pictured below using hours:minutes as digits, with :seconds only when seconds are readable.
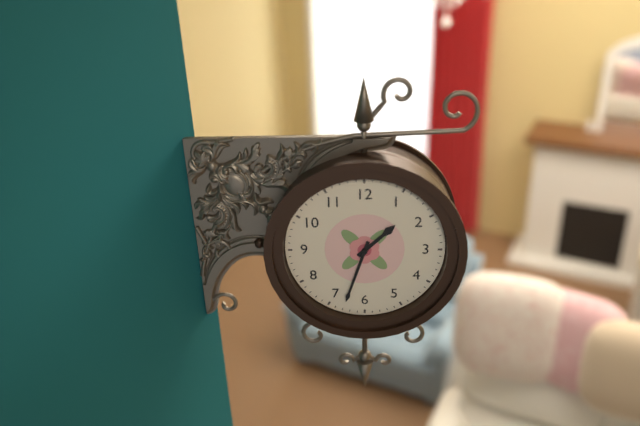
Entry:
1:33
